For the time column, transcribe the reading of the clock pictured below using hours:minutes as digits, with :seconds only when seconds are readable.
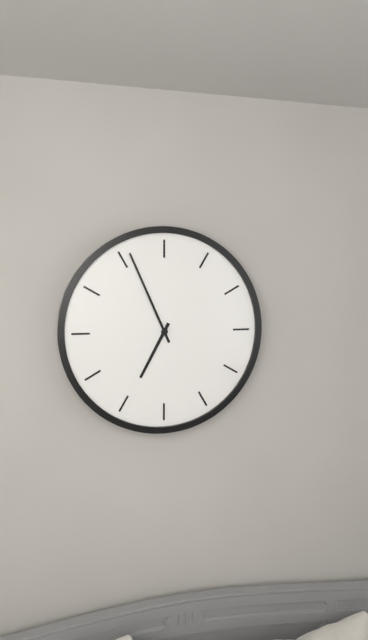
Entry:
6:56
